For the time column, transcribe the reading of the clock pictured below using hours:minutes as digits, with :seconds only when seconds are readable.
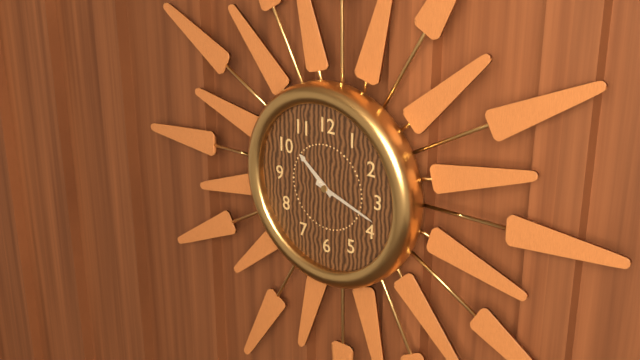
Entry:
10:18
